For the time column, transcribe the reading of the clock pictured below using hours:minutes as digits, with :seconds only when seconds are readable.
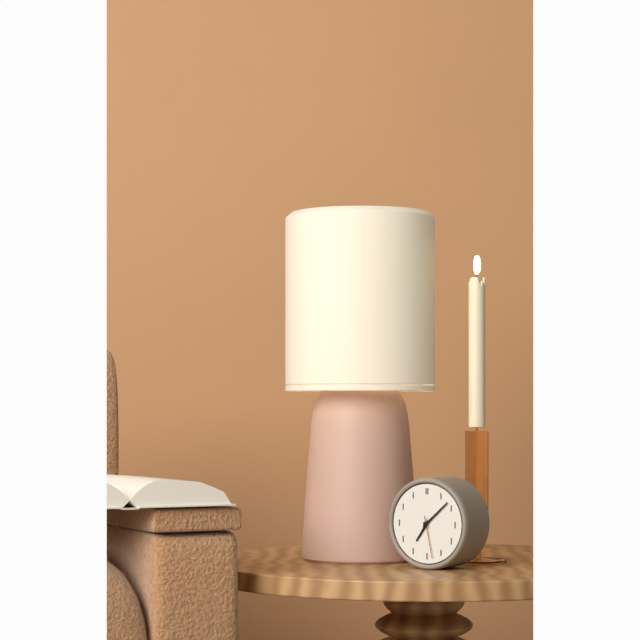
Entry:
7:08
